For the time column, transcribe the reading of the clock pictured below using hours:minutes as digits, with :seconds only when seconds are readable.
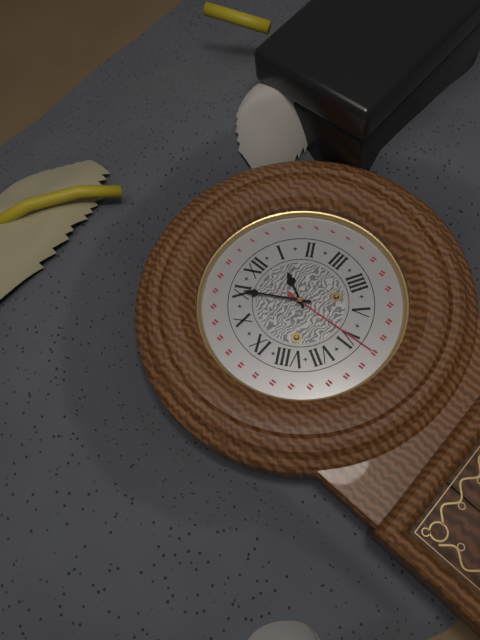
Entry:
12:55
